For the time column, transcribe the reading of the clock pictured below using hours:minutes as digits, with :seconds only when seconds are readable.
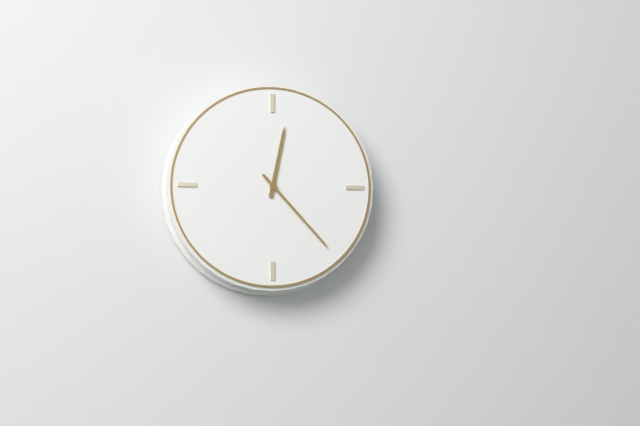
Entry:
12:23
